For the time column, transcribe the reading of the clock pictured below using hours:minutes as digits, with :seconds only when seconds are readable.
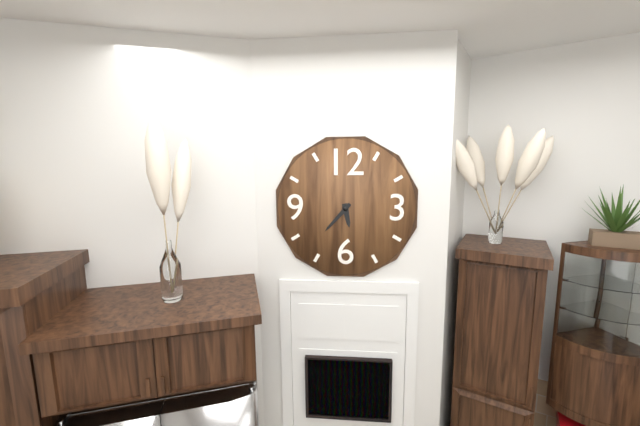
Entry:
5:37
